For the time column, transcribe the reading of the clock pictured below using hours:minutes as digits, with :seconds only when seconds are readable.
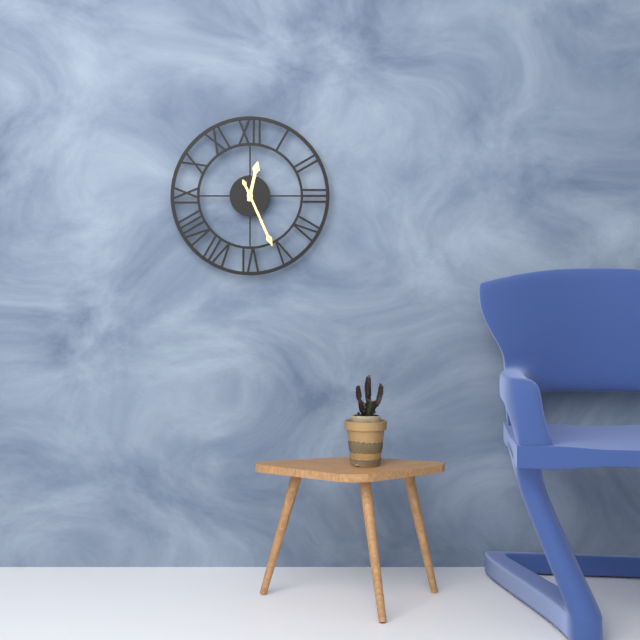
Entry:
12:26
